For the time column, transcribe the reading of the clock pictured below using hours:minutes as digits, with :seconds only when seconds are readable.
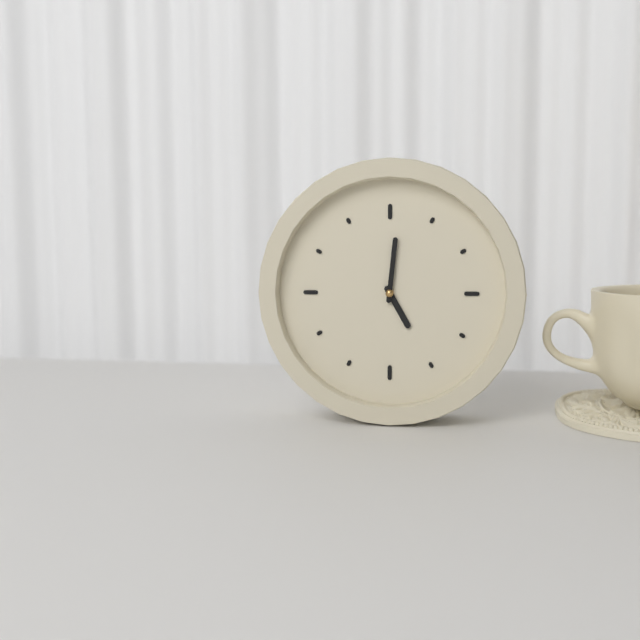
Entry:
5:01
